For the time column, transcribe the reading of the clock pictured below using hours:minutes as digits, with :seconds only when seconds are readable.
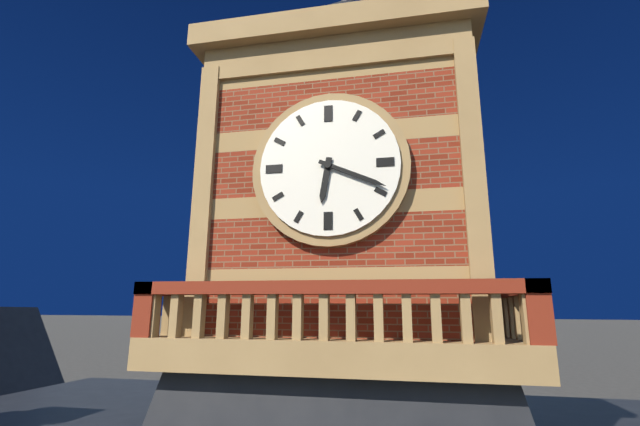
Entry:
6:19
